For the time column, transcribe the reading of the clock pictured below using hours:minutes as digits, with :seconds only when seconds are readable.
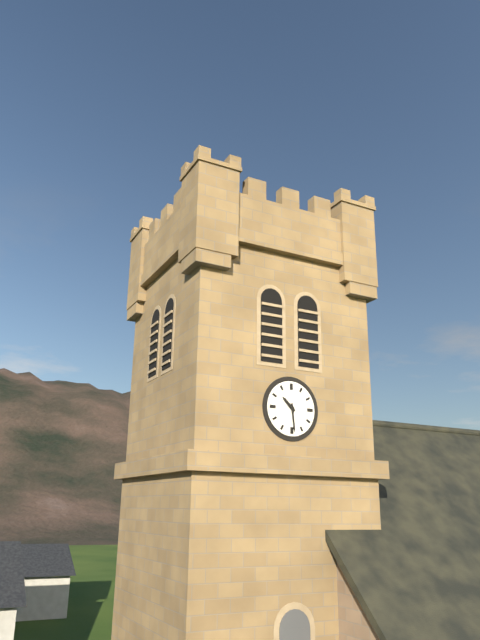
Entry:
10:29
